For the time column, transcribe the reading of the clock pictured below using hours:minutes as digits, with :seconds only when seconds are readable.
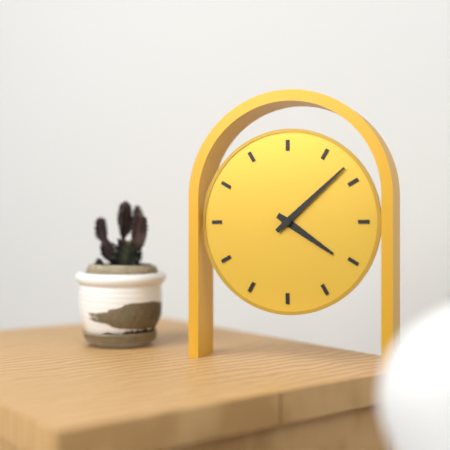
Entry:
4:08
